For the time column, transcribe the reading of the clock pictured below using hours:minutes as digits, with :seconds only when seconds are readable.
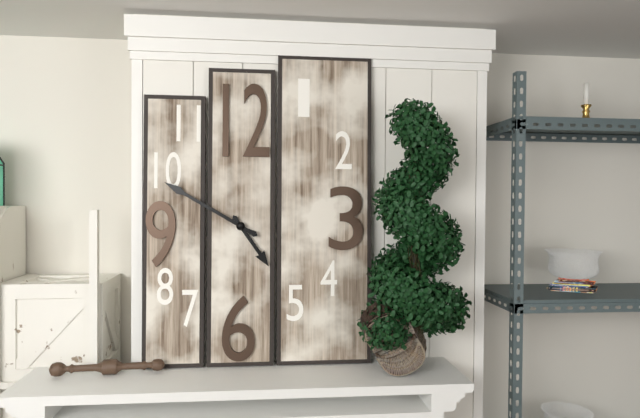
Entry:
4:50
